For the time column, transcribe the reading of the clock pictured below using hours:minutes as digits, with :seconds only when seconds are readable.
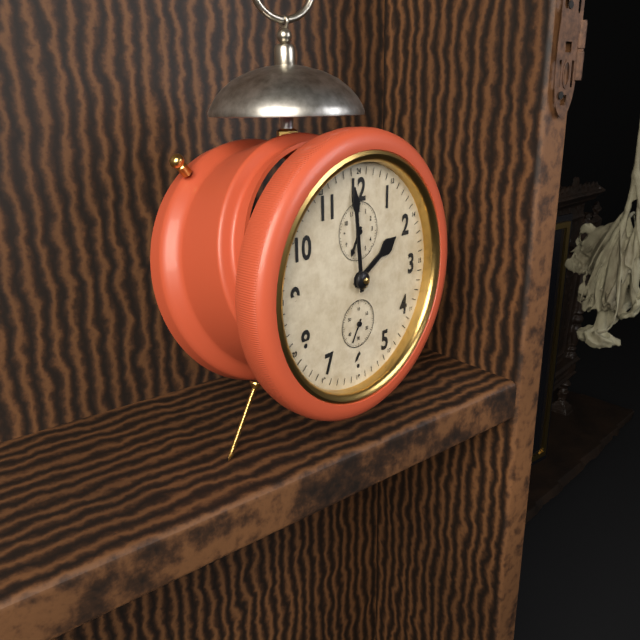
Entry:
1:59
